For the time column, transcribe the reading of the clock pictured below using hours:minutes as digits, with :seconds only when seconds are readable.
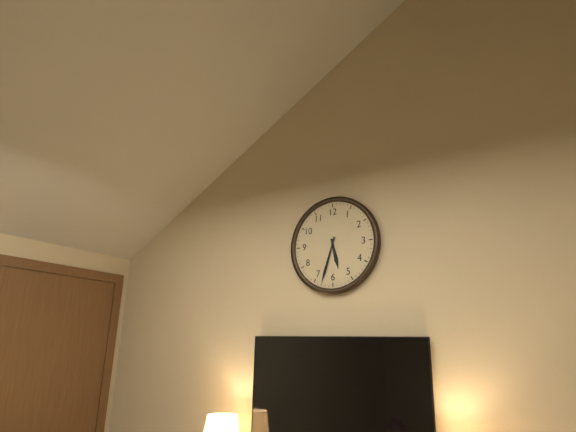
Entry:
5:33
